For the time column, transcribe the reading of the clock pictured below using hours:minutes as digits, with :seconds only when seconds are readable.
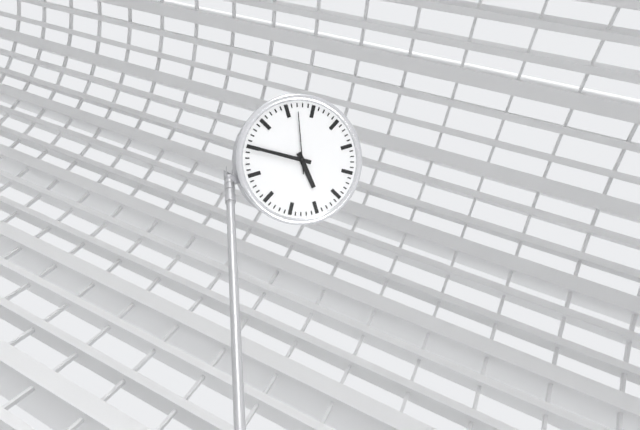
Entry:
4:45:57
